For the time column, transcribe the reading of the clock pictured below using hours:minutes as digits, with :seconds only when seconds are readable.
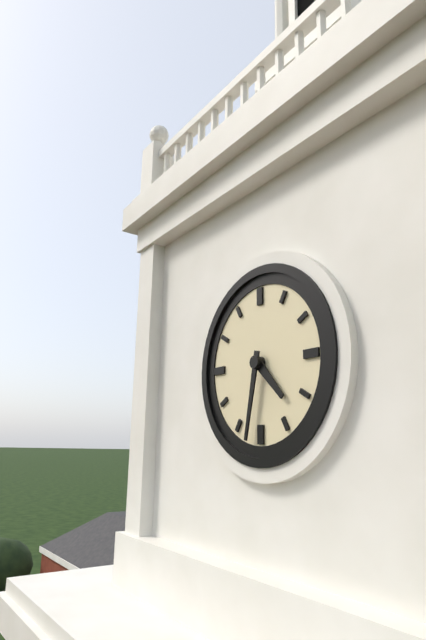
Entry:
4:32
